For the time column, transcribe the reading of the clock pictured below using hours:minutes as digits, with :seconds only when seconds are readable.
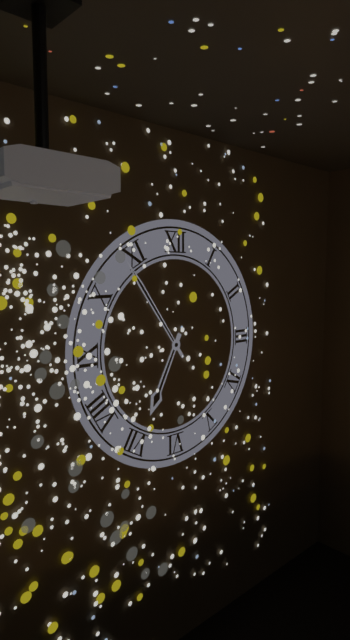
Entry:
6:54
